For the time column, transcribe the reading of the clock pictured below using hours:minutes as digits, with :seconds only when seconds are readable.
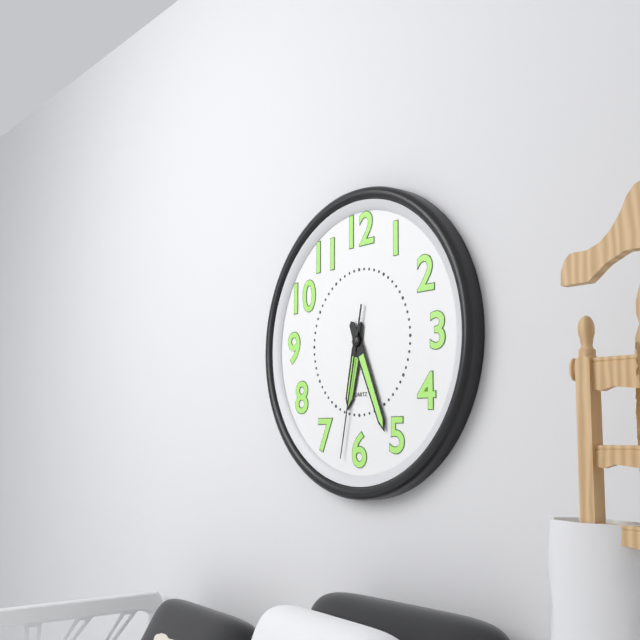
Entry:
6:26:32
